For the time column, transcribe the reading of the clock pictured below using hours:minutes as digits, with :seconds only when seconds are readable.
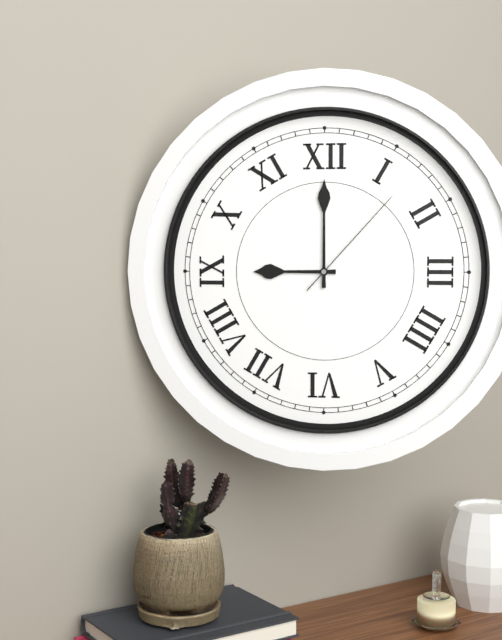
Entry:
9:00:07
